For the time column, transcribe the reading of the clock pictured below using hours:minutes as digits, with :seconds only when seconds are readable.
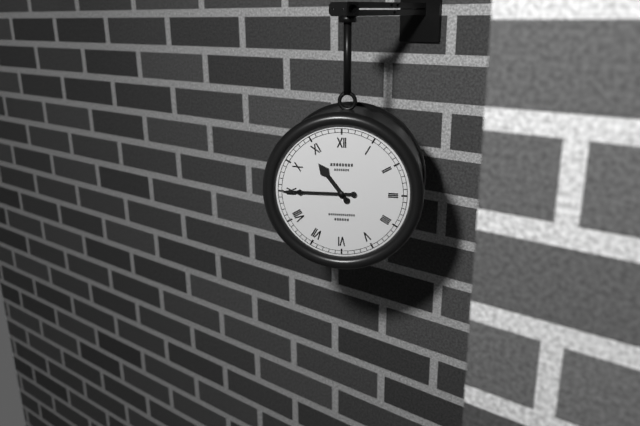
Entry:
10:45
